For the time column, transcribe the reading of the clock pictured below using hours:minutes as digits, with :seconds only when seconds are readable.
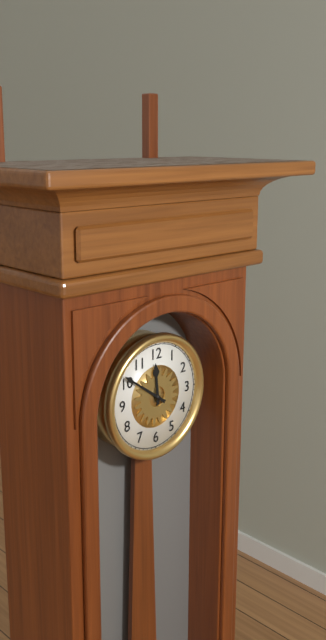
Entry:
11:51
